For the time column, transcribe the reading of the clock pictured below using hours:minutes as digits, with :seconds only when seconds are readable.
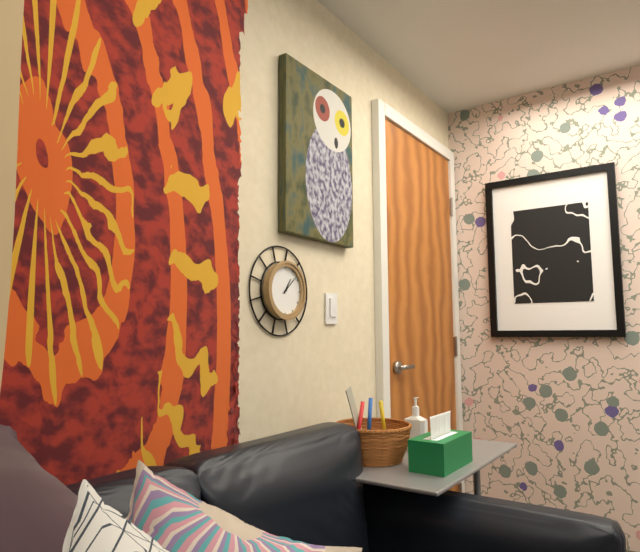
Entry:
1:08
